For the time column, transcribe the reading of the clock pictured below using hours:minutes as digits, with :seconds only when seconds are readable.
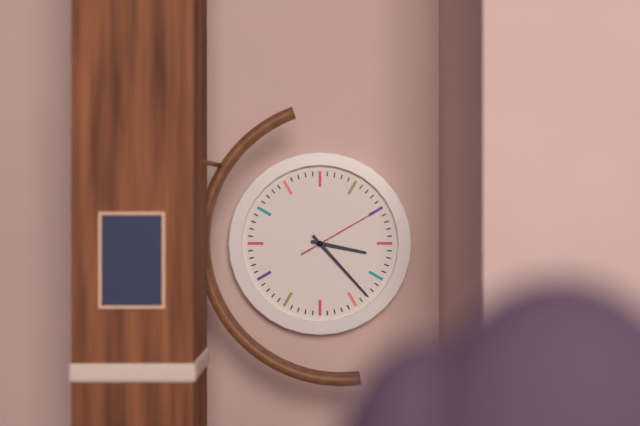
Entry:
3:23:10
